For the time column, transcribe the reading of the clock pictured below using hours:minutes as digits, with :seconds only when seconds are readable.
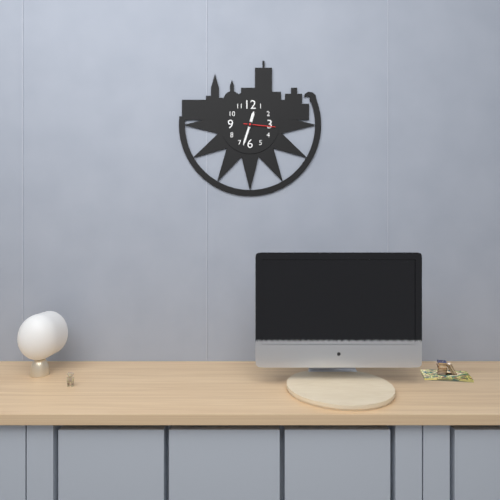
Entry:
12:33
